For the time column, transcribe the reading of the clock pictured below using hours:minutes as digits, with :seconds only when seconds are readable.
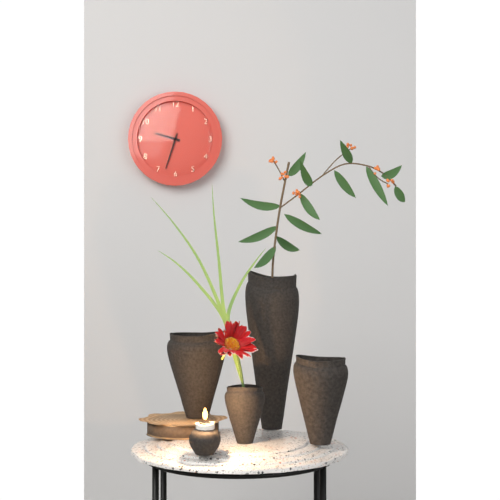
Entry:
9:33
